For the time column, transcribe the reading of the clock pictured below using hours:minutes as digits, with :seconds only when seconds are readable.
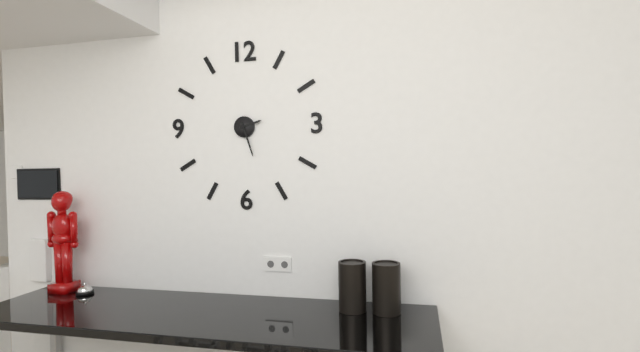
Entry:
2:27
